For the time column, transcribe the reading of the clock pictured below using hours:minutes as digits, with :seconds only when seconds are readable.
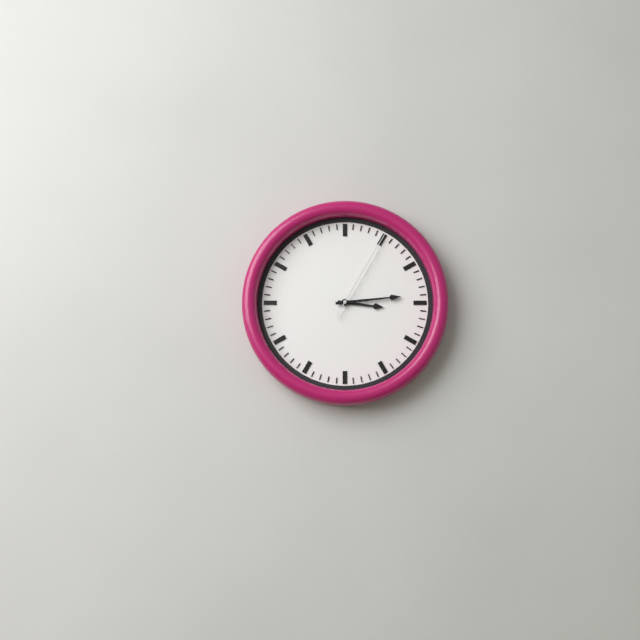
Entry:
3:14:05
